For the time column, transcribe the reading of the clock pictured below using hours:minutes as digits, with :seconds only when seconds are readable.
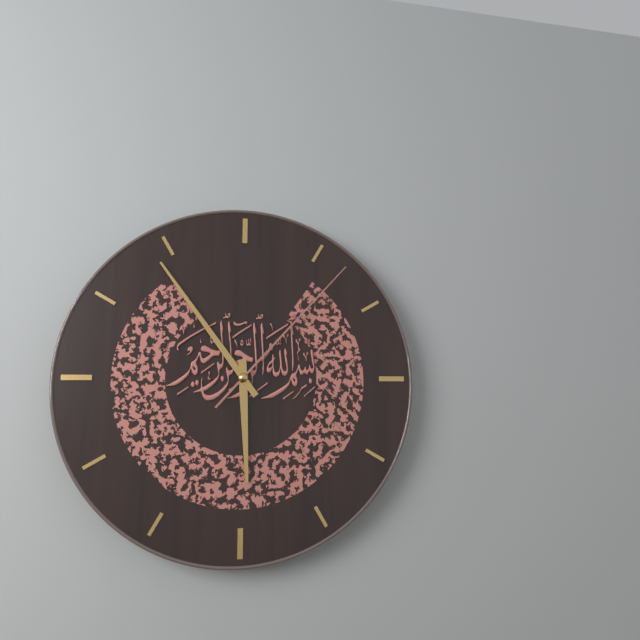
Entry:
5:54:07
